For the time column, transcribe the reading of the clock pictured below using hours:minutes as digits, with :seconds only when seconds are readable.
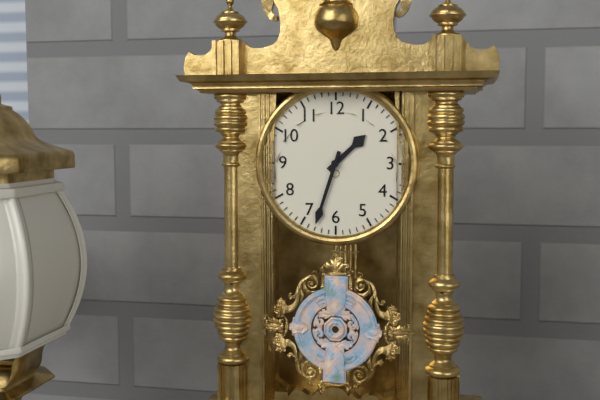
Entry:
1:33
